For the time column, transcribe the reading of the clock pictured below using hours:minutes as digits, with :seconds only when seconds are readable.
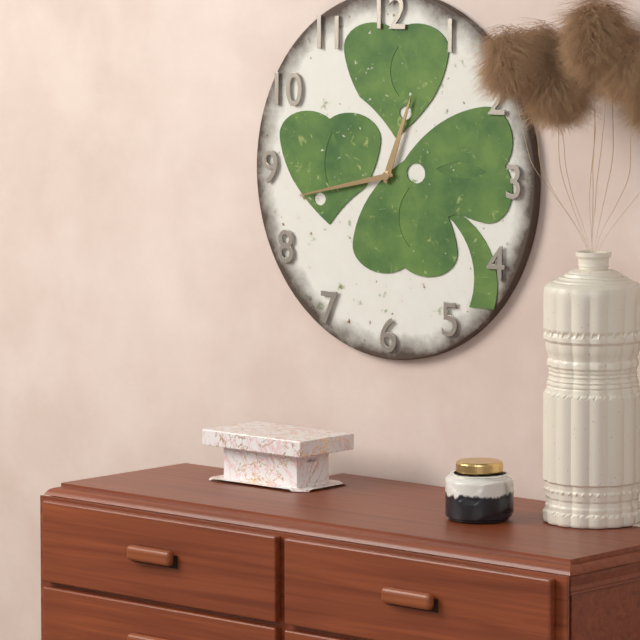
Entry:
12:43
